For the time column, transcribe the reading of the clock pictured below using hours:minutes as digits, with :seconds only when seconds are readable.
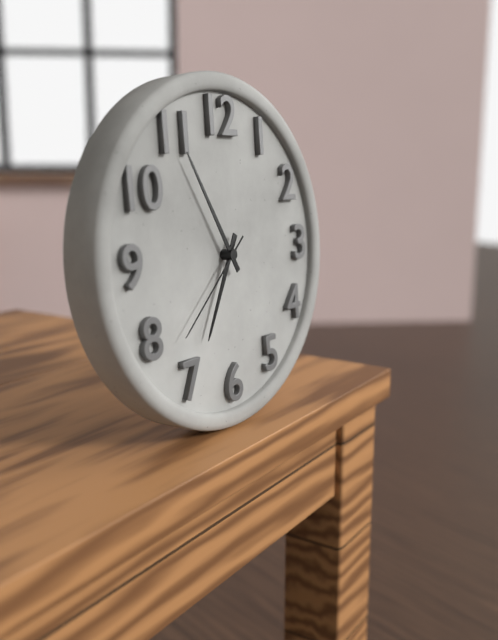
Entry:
6:55:38
